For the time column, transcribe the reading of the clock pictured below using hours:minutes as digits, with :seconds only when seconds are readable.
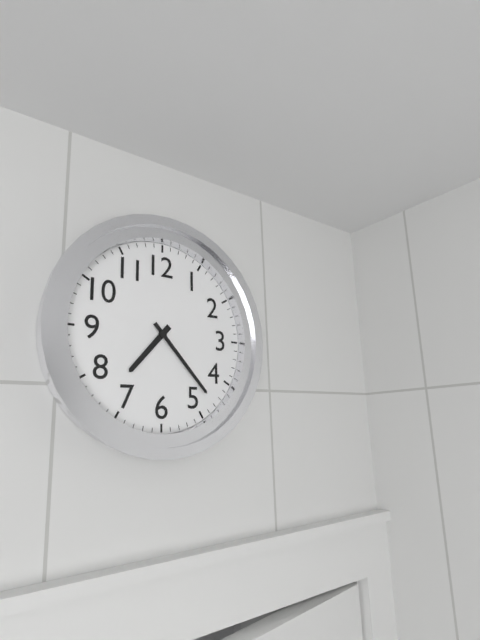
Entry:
7:23
